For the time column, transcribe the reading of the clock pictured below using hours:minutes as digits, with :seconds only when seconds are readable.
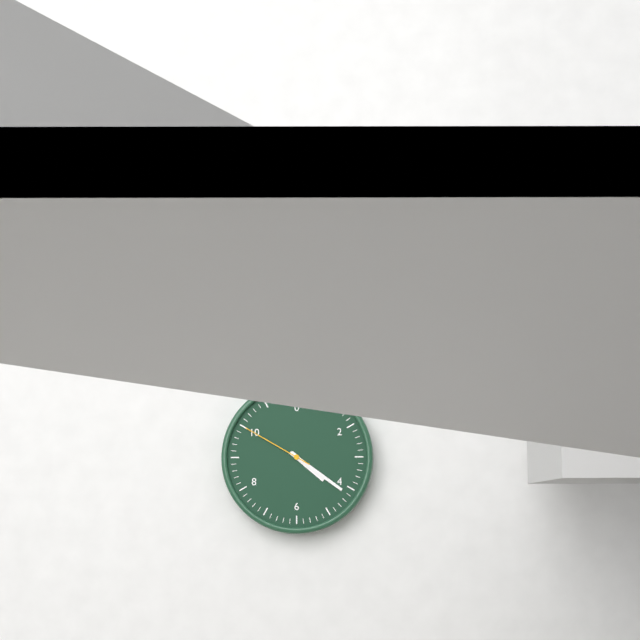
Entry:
4:21:50
